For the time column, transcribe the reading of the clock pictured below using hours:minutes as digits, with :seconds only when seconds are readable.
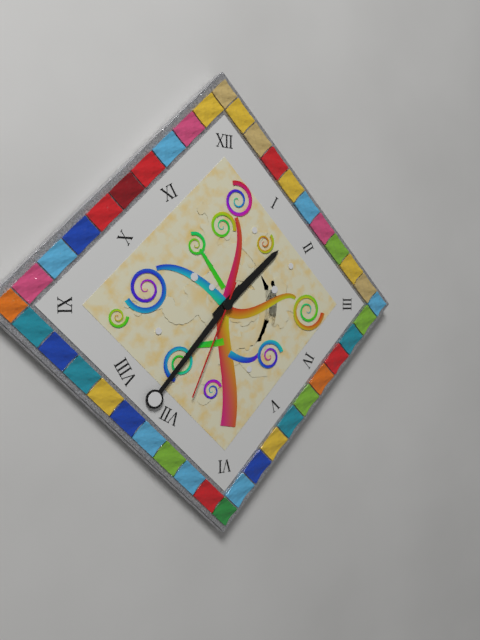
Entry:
1:37:34
